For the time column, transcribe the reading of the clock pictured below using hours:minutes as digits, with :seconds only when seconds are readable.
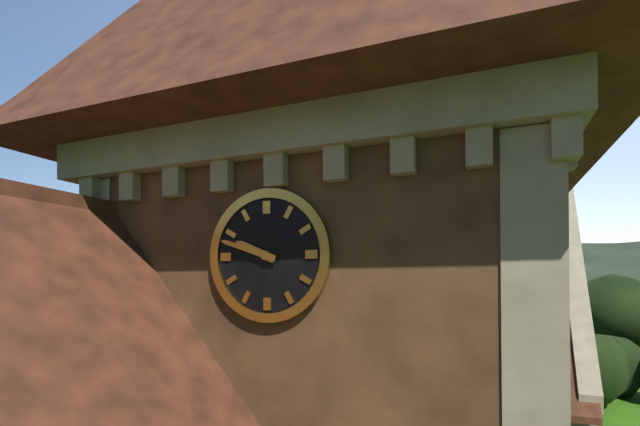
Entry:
9:48
